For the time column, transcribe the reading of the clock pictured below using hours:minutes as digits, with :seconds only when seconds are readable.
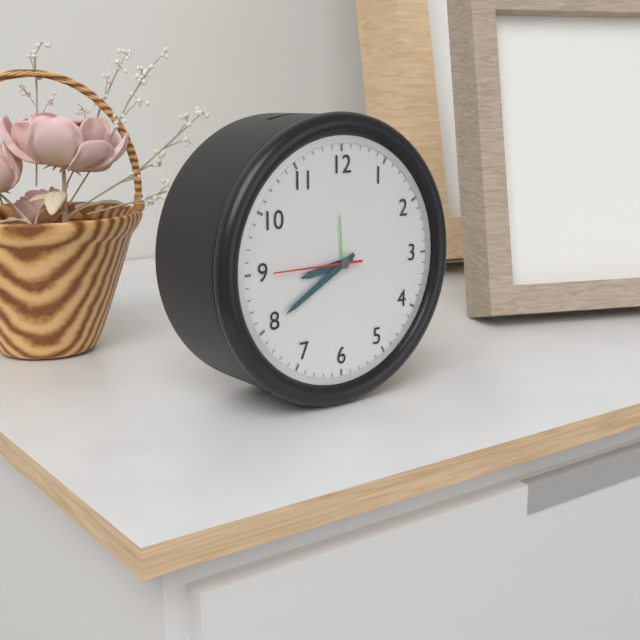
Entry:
8:40:45
